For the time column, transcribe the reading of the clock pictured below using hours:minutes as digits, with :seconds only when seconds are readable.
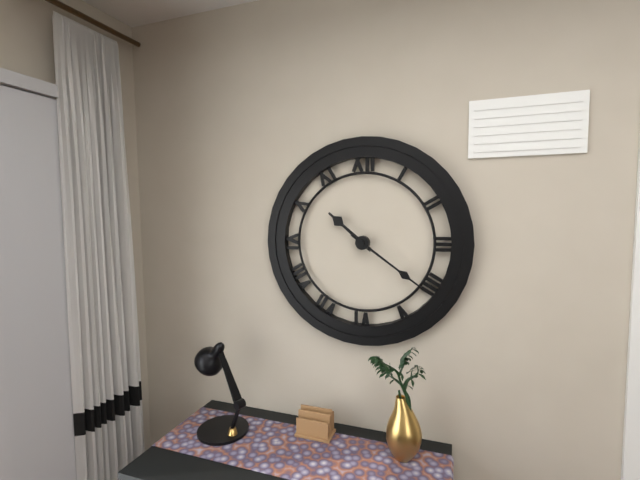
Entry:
10:21
